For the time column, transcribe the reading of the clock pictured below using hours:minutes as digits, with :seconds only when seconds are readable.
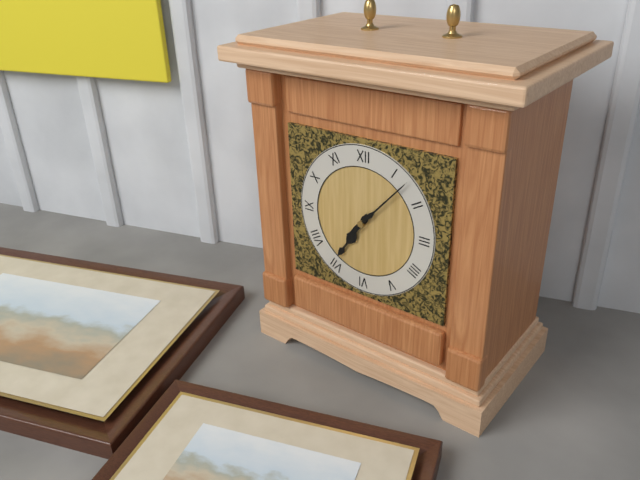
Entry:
7:07
